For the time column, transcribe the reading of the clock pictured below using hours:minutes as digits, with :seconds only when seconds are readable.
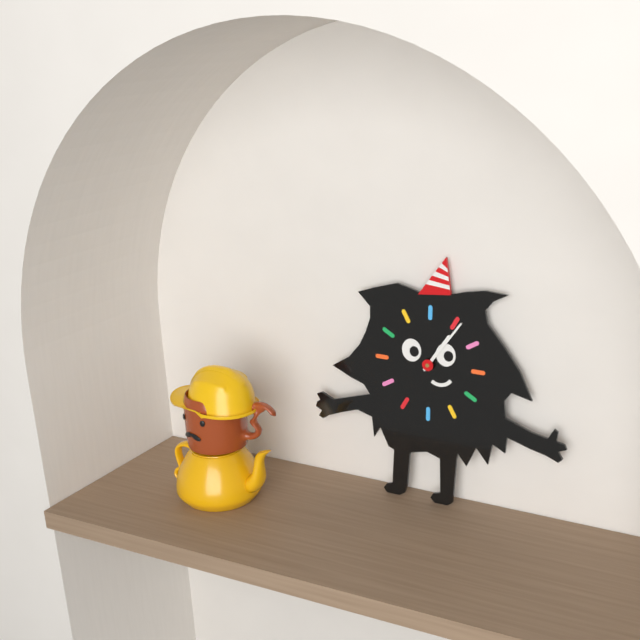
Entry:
1:06
